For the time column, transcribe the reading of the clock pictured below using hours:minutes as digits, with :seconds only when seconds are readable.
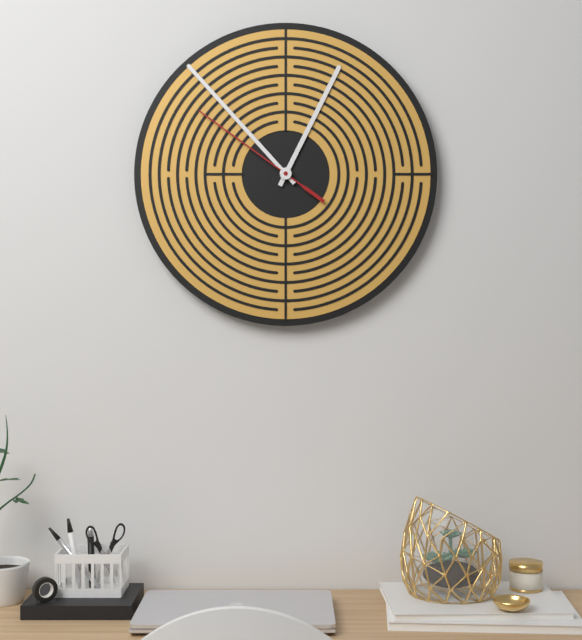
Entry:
12:53:51
